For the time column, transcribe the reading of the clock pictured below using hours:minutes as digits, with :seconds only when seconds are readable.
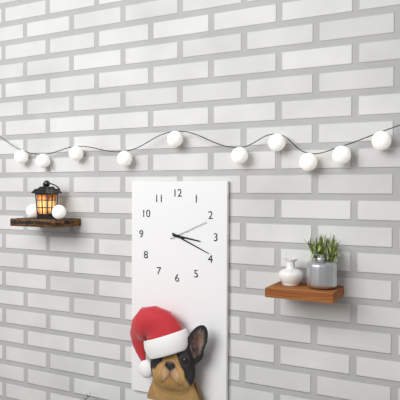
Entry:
3:19
